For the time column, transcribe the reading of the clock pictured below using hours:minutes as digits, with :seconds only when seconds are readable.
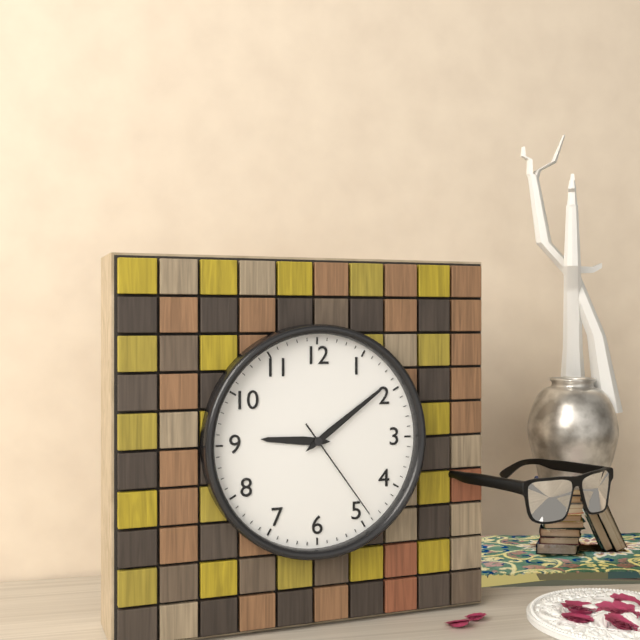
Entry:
9:09:24
